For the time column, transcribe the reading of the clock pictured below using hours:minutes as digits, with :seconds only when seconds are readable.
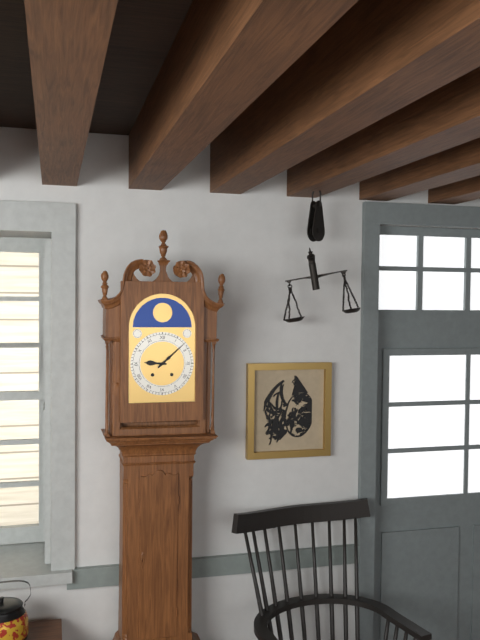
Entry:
9:08
